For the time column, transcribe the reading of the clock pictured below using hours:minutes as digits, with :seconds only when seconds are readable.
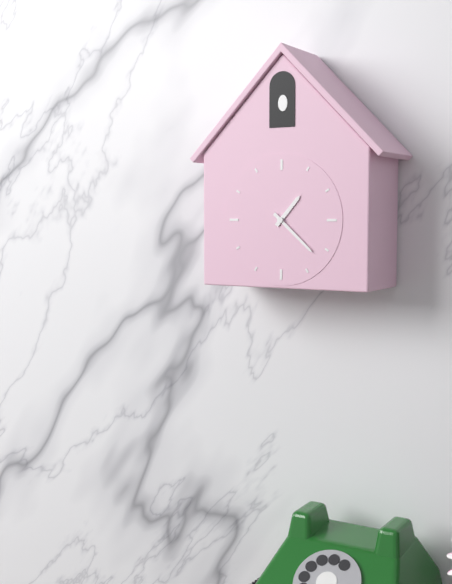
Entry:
1:22
